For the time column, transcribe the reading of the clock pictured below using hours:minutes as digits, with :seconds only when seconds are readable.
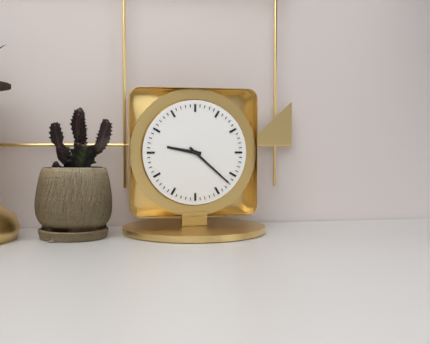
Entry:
9:22
